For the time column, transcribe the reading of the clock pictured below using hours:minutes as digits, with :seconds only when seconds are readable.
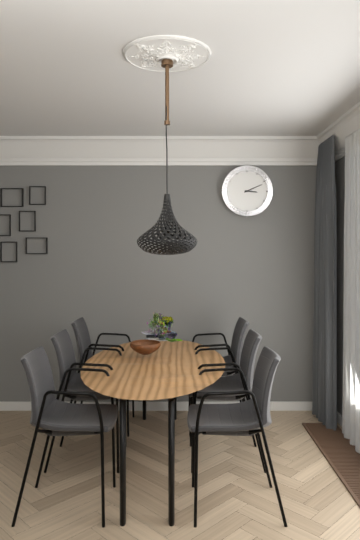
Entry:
3:11
